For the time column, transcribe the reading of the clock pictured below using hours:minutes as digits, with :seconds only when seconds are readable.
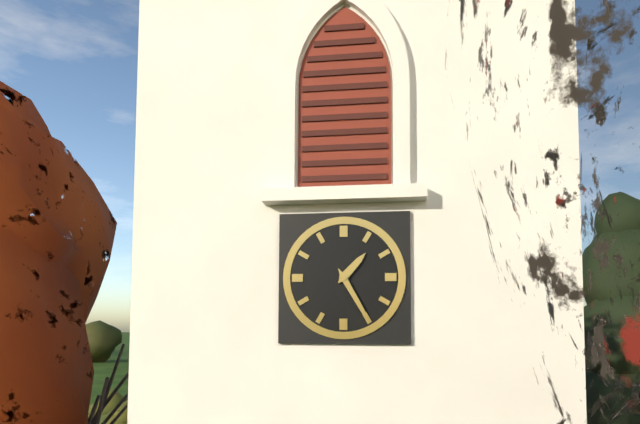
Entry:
1:25
